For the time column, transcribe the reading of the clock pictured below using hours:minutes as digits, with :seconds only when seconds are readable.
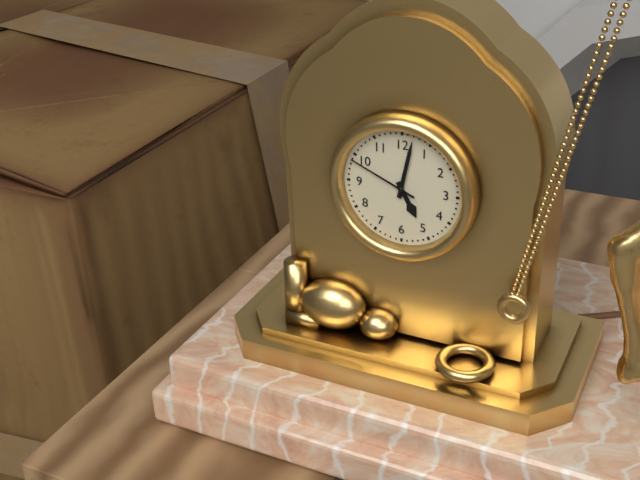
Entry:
5:02:49
